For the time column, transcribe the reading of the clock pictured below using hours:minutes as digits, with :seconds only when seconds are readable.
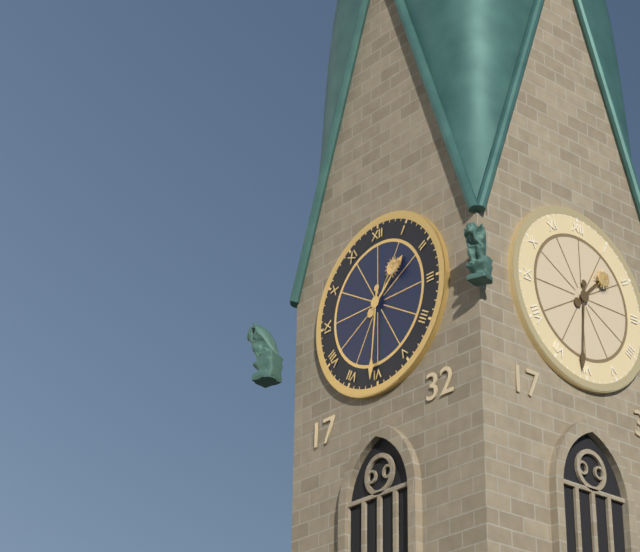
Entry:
1:31
